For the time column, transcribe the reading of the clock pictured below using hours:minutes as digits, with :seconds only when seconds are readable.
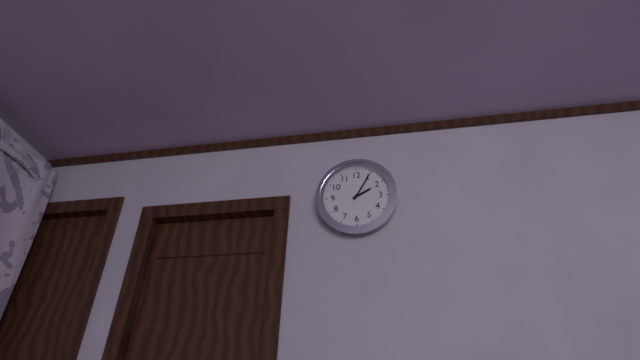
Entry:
2:05
